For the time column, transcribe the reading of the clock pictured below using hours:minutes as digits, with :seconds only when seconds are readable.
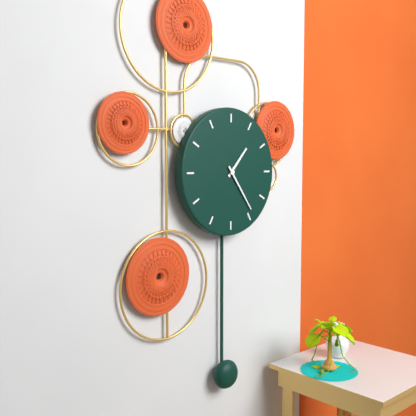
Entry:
1:24
